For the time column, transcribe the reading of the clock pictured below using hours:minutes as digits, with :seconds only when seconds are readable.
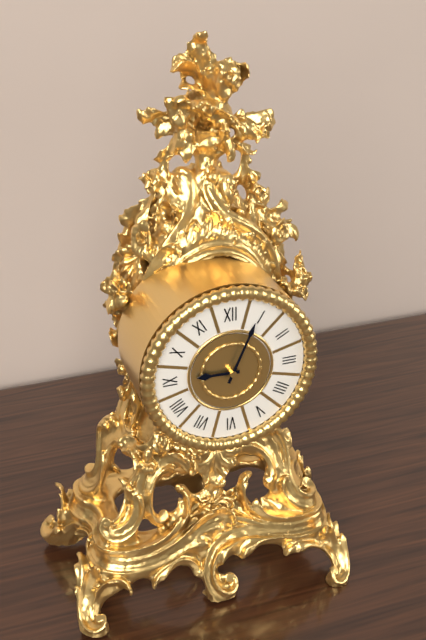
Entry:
9:04
